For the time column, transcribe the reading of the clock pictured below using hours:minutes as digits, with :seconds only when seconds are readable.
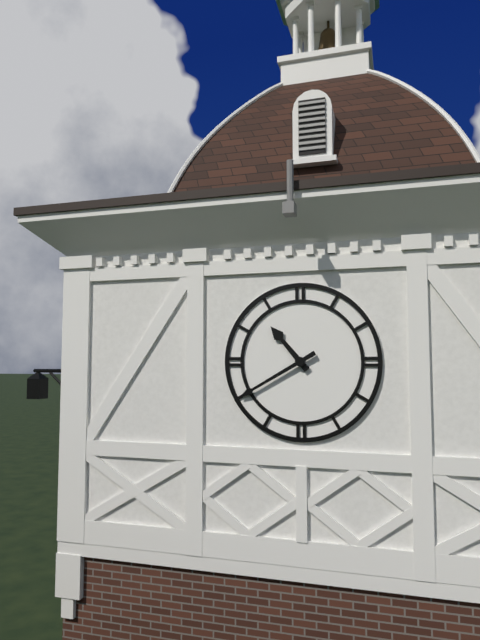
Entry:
10:40
